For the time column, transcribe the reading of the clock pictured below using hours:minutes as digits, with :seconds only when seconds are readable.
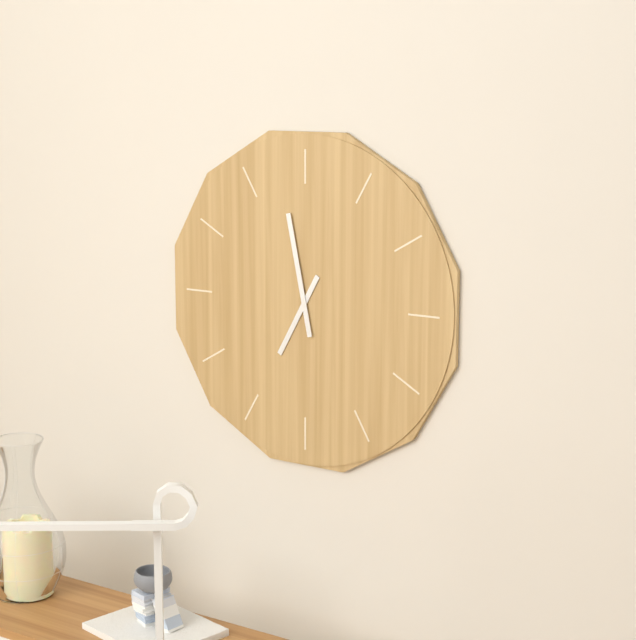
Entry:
6:58
